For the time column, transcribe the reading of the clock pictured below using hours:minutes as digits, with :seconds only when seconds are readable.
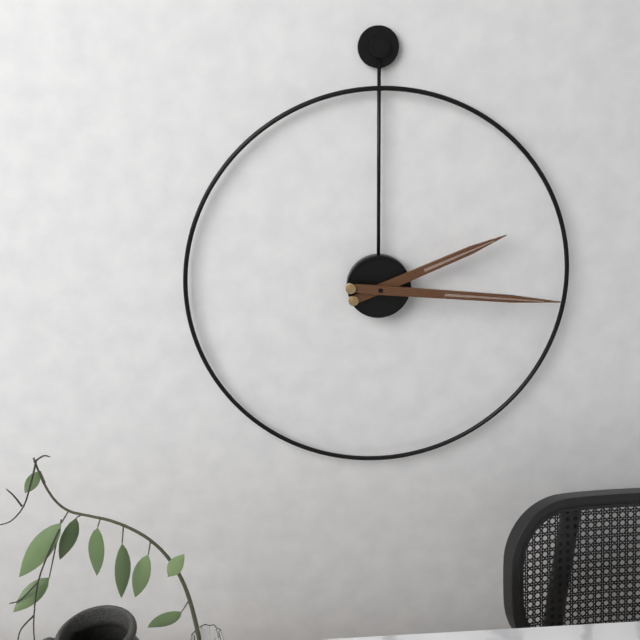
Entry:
2:16
